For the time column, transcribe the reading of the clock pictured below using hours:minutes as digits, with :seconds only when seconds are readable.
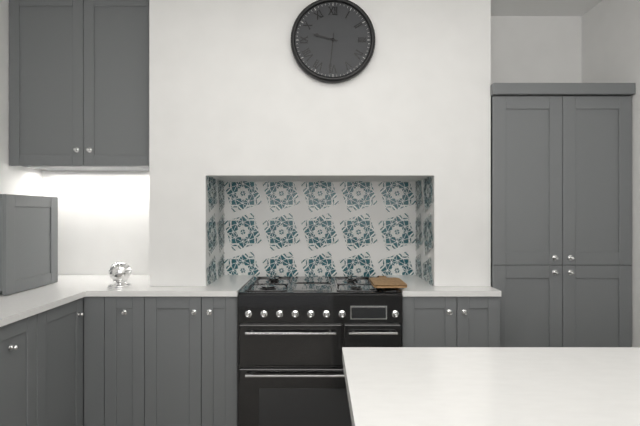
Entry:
9:31
